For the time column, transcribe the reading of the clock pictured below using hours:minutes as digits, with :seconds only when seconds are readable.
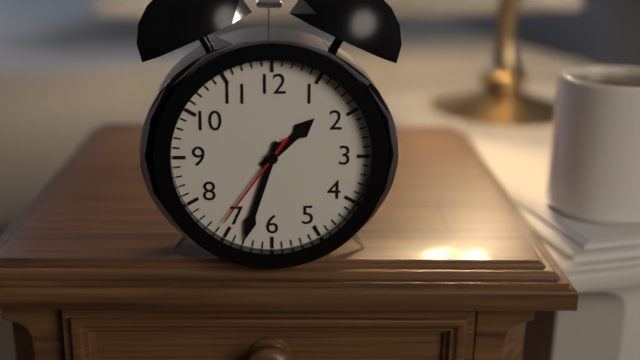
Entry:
1:33:36
